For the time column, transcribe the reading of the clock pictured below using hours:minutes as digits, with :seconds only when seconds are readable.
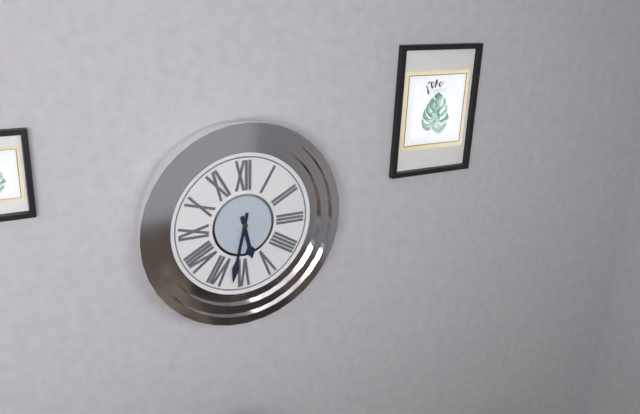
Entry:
5:32
